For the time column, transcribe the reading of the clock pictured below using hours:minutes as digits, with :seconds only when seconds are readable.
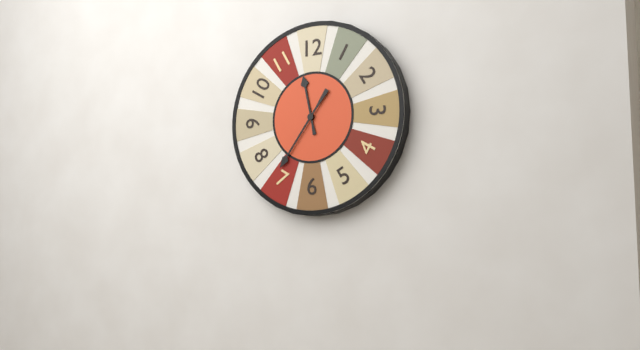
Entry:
11:36
